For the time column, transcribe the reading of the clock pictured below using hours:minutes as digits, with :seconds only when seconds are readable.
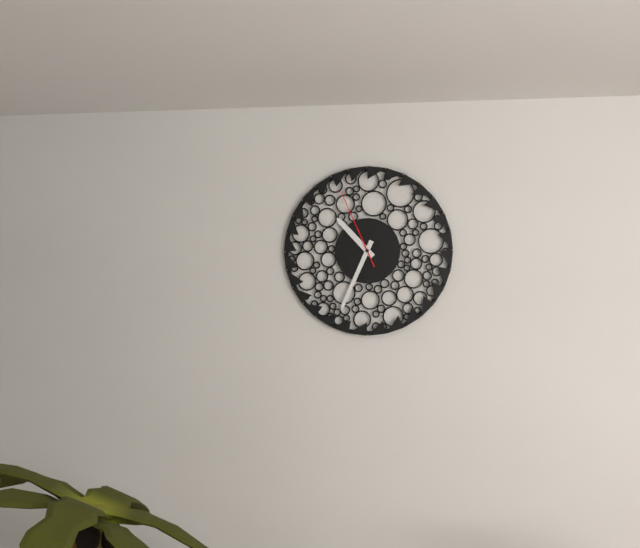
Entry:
10:34:56
